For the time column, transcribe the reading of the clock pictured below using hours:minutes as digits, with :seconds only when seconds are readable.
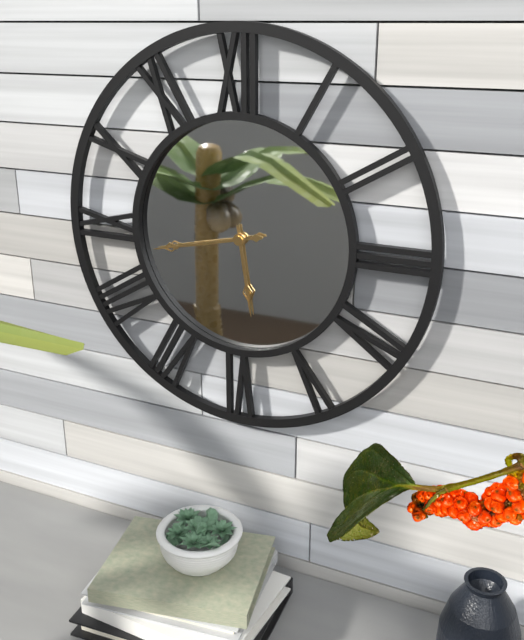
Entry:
5:43
